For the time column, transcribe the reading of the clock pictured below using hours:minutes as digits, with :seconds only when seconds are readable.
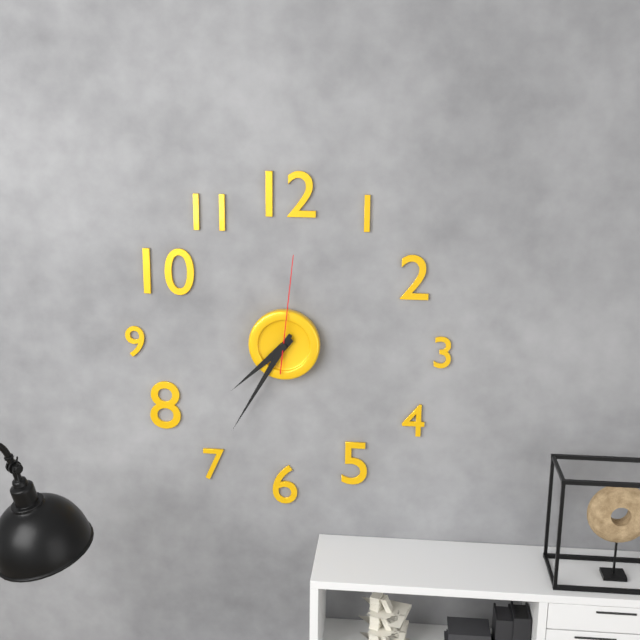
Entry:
7:35:01
